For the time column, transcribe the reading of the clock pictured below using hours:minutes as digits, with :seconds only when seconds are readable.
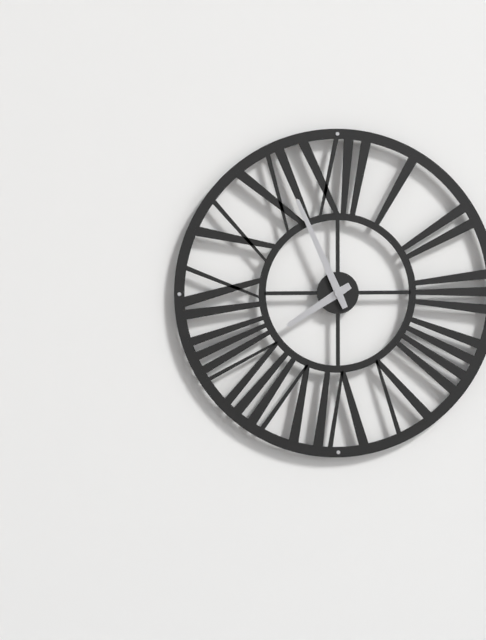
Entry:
7:56
